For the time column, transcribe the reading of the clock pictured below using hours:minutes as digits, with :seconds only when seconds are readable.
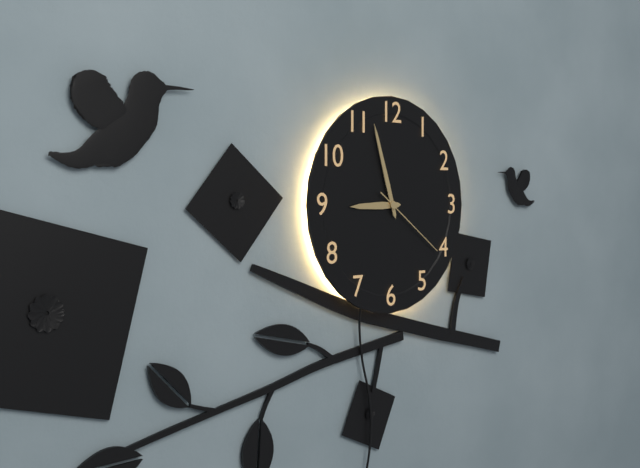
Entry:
8:57:21
